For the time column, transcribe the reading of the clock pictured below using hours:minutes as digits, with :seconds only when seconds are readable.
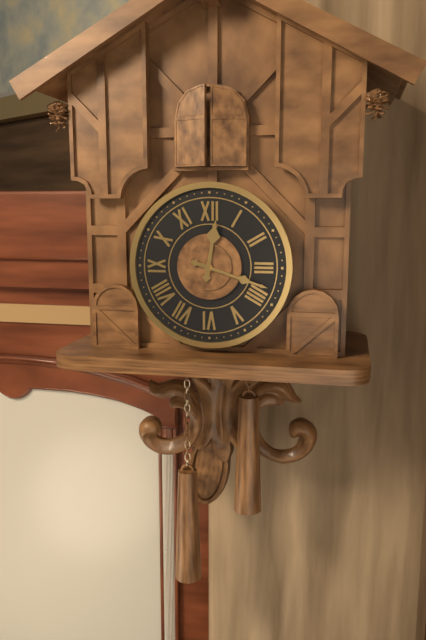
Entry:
12:18
